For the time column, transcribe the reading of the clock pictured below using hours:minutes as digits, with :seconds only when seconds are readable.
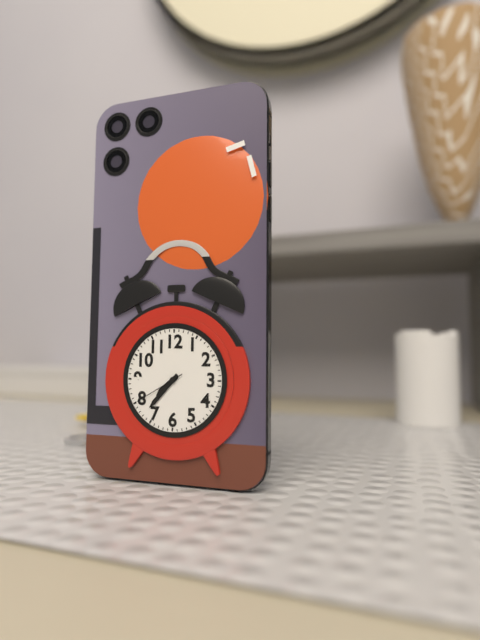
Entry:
7:37:40
